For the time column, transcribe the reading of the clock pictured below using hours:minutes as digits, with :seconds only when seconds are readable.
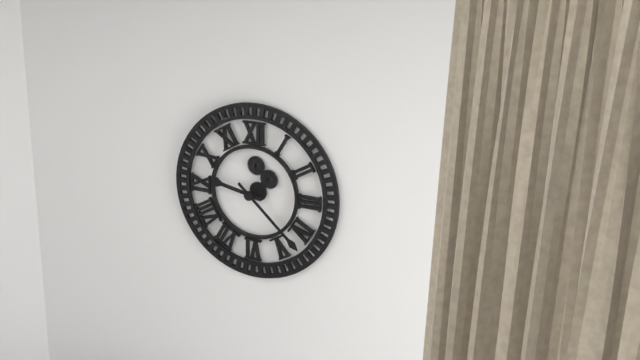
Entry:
9:22
